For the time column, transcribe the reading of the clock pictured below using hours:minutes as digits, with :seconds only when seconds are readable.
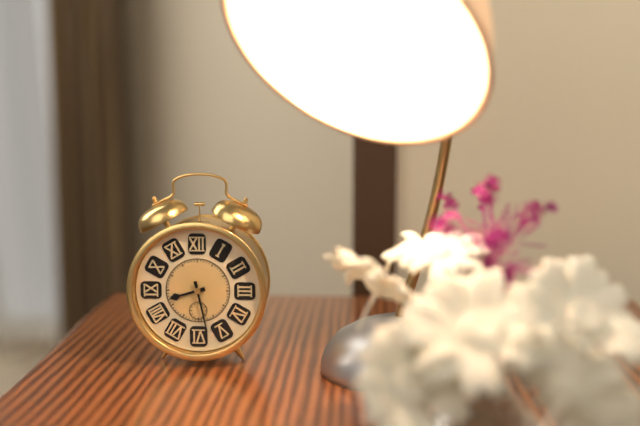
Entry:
8:28
